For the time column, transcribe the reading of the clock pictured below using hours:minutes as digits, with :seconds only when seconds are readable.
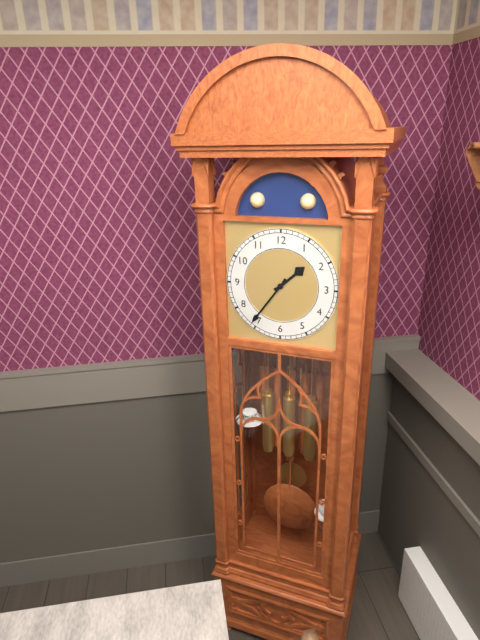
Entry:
1:36
